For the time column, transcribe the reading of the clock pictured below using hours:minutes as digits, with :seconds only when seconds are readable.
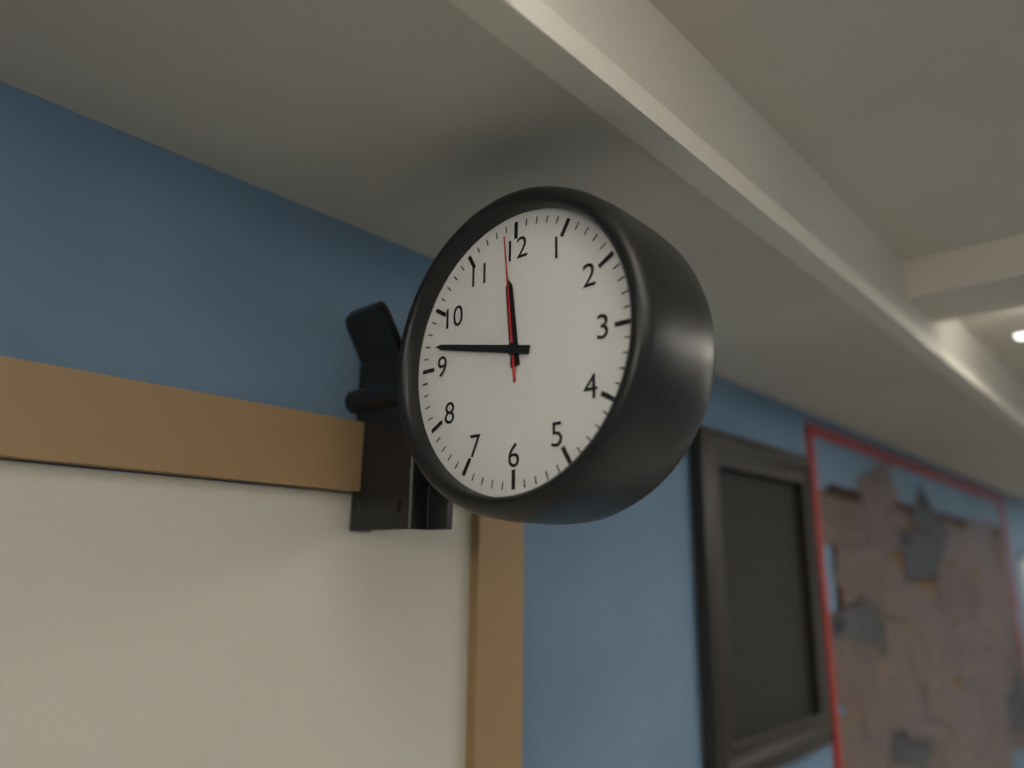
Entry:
11:47:59
